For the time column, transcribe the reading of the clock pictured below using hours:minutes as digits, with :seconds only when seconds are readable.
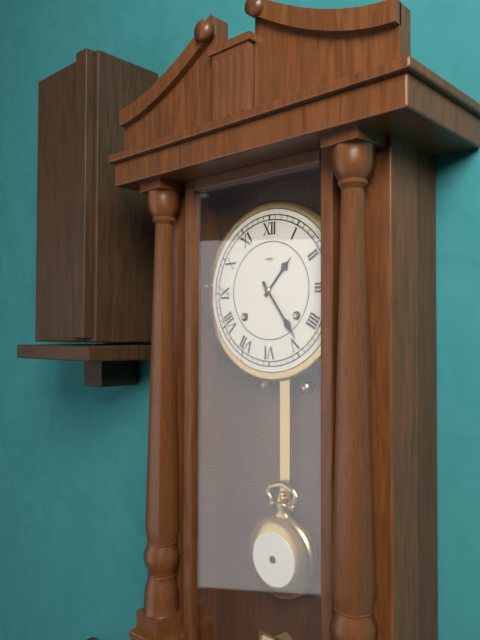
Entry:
1:24
